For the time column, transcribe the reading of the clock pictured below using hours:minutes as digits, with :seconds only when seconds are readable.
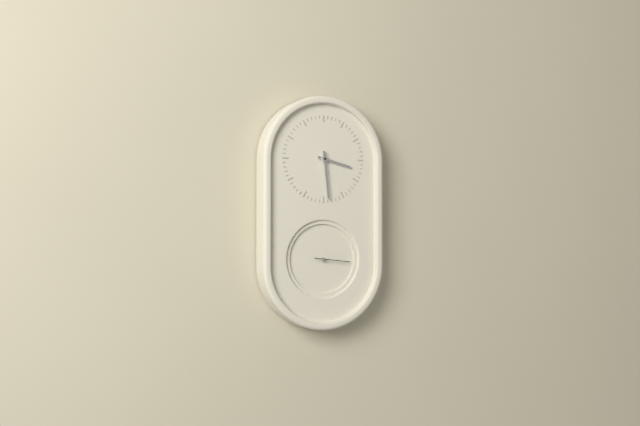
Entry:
3:29
